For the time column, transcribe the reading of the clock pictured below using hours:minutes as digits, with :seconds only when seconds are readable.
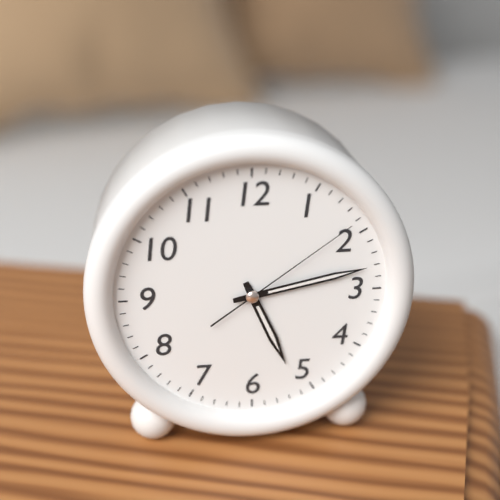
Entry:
5:13:09
